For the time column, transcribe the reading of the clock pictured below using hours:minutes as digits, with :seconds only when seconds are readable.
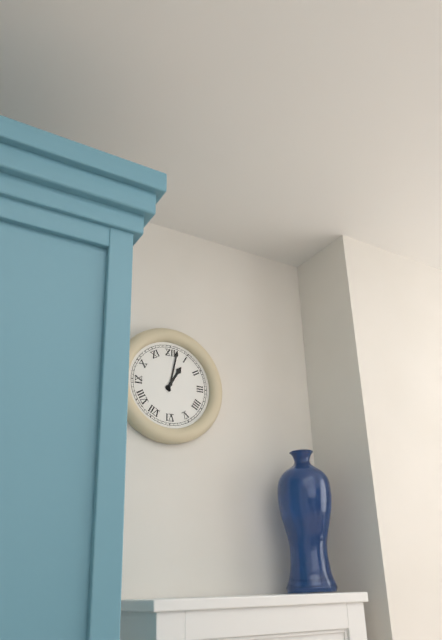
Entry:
1:02
